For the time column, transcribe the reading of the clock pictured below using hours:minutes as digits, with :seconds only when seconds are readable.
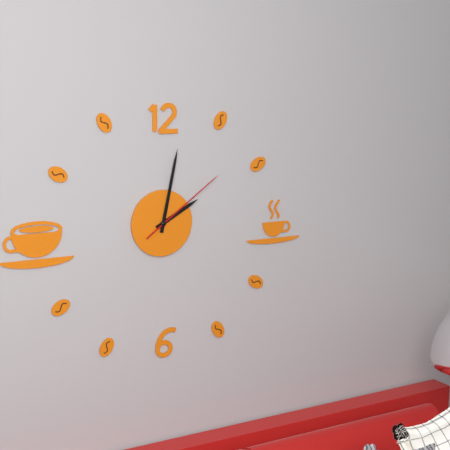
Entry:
2:02:09
